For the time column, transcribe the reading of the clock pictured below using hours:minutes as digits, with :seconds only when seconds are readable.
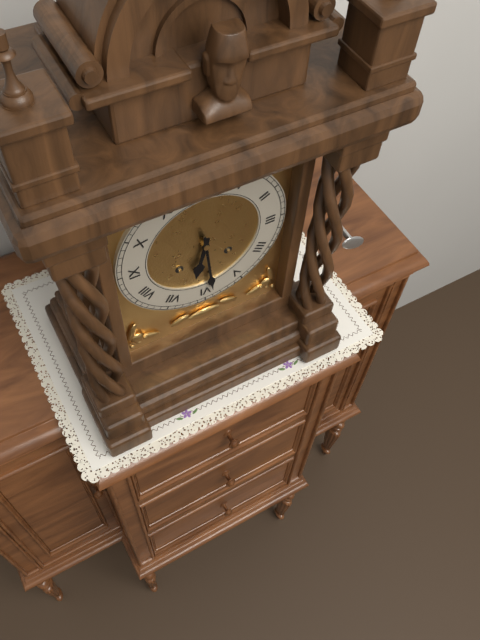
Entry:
6:29
